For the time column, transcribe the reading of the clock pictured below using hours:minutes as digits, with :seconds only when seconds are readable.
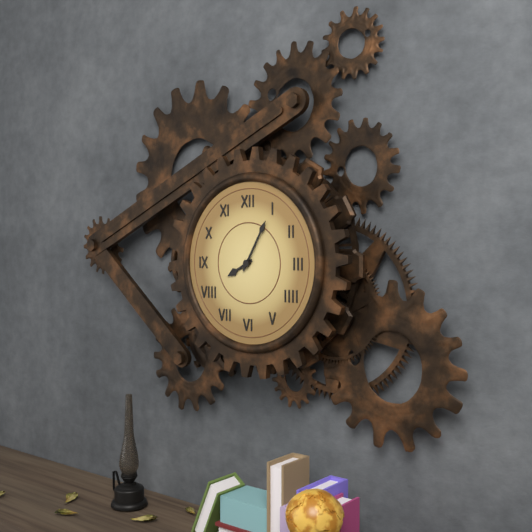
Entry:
8:05
